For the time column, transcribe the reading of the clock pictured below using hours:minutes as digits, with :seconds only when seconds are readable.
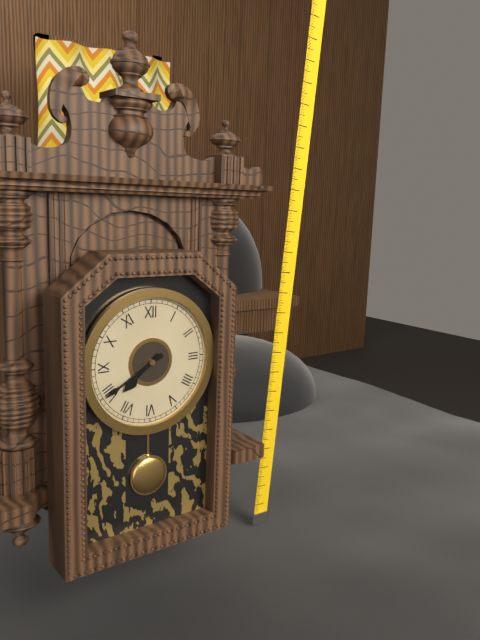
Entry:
7:40
